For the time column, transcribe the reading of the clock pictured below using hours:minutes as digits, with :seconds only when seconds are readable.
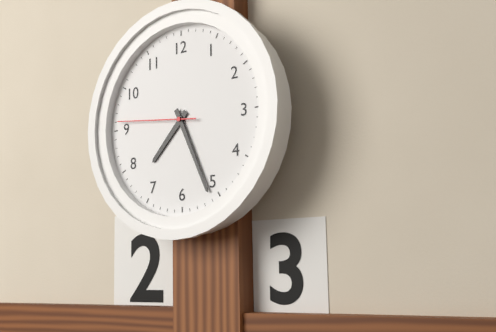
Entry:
7:26:46
